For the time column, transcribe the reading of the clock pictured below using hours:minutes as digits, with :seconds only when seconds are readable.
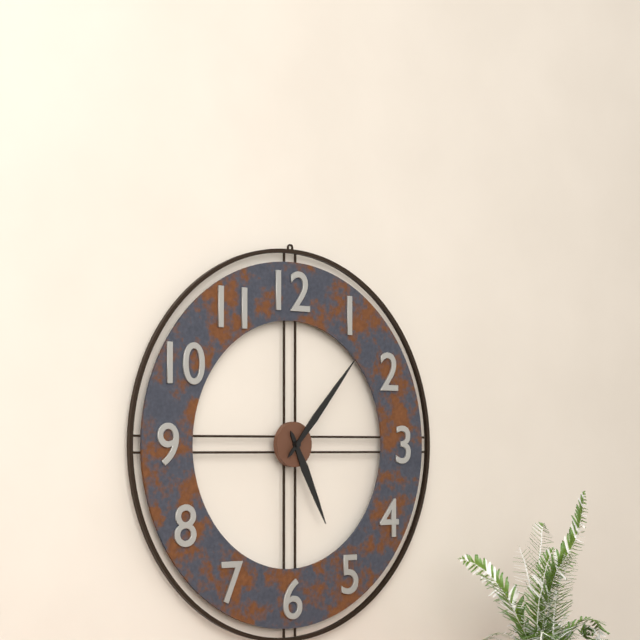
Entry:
5:07
